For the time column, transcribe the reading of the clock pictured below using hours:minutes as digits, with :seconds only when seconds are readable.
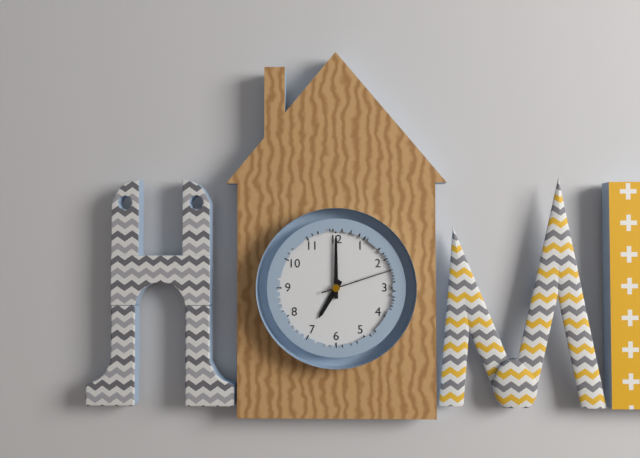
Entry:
7:00:12
